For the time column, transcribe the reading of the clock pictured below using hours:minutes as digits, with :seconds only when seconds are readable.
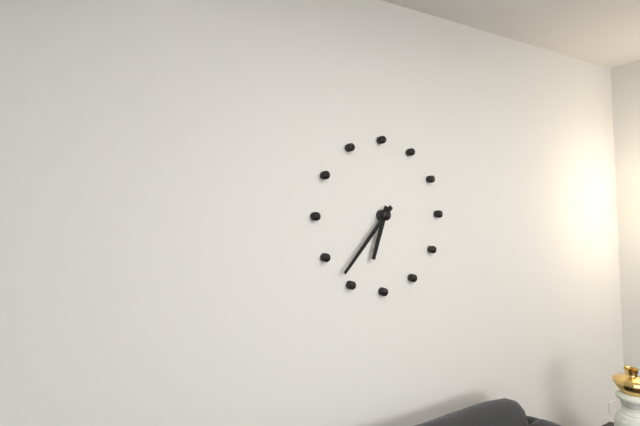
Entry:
6:37
